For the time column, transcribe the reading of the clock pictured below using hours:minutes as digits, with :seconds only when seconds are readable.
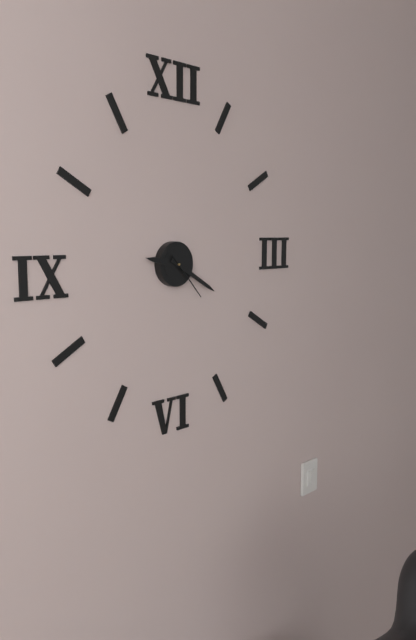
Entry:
9:20:23
